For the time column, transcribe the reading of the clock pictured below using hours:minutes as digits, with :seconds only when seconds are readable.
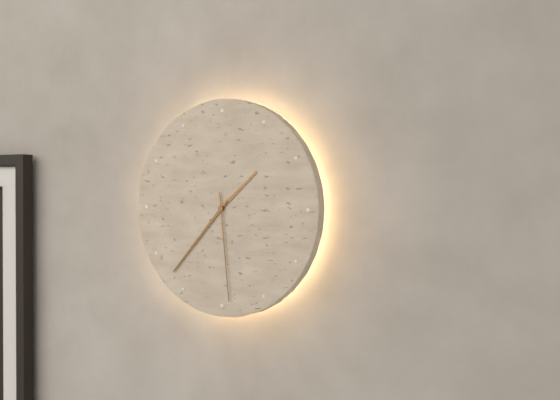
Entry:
1:37:29
